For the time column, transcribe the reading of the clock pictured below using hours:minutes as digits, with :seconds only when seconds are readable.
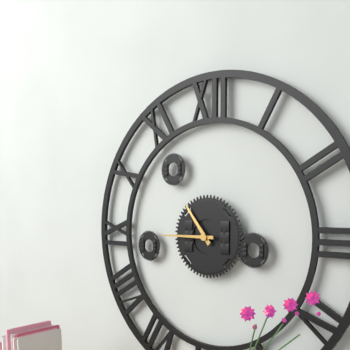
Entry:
10:45
